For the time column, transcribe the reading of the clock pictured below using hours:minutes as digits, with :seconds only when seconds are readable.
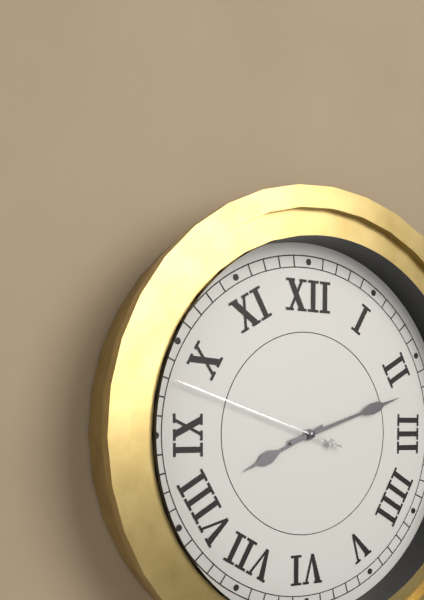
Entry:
8:12:48
